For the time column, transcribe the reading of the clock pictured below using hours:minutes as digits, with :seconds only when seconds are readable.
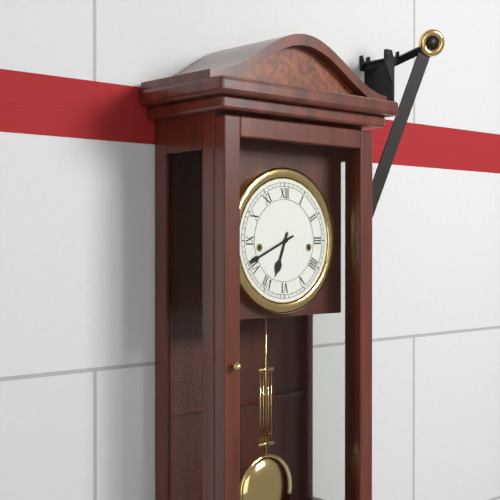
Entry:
6:41
